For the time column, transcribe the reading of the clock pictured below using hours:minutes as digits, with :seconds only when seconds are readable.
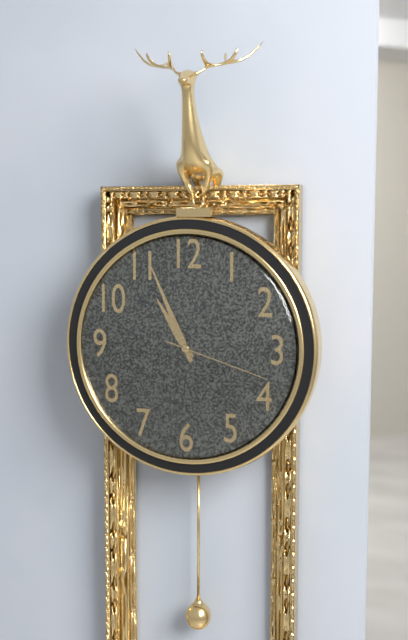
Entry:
10:56:18
